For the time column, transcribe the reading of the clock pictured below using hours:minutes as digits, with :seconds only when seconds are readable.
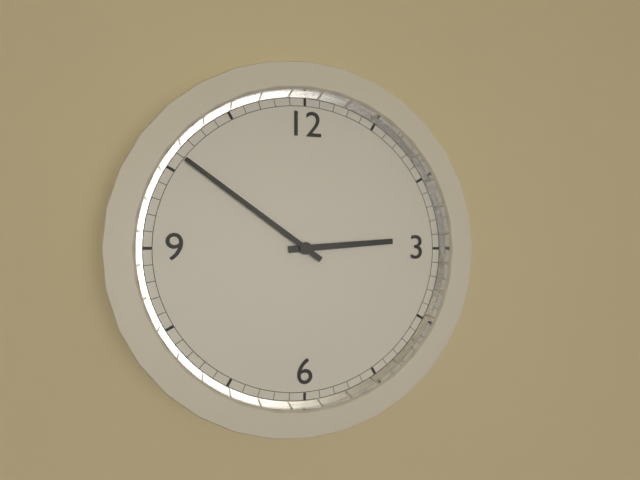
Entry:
2:51
